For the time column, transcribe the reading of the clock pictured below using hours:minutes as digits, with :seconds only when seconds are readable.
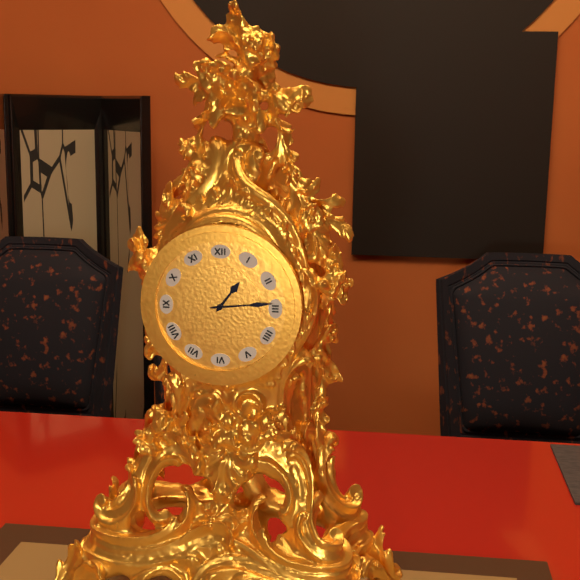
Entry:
1:14
